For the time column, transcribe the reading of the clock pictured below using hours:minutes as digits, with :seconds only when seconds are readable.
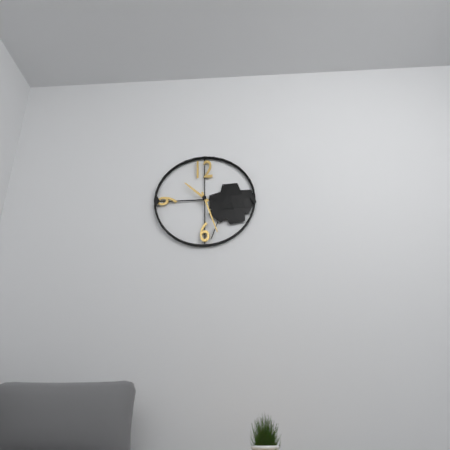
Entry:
10:27
